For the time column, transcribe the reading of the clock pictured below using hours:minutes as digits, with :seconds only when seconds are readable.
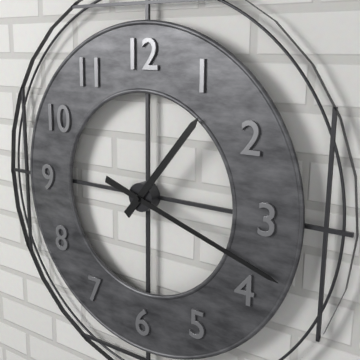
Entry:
1:18
